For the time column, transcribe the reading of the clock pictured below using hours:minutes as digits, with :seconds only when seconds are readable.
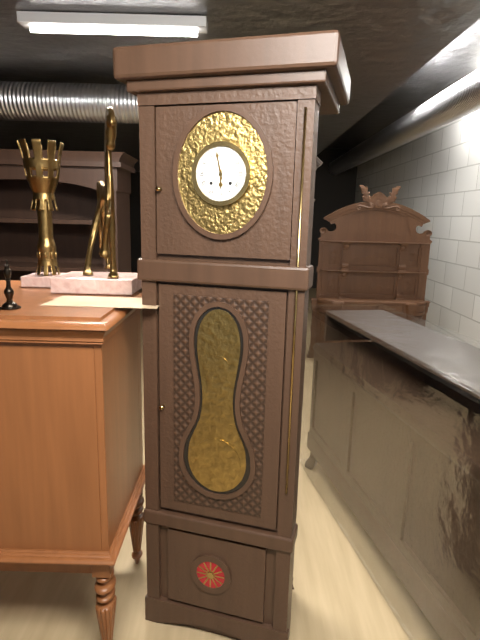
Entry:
5:58
